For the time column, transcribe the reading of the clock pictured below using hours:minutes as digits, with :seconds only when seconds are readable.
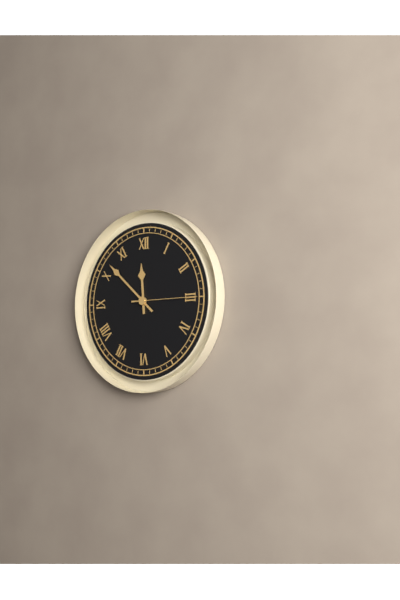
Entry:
11:52:15
